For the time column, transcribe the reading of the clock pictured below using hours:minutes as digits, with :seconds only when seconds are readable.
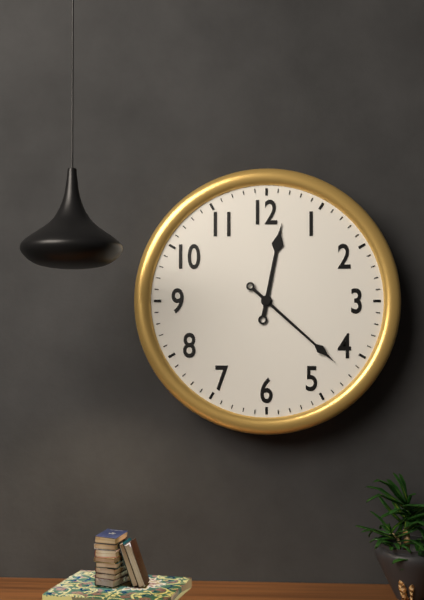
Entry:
12:22
